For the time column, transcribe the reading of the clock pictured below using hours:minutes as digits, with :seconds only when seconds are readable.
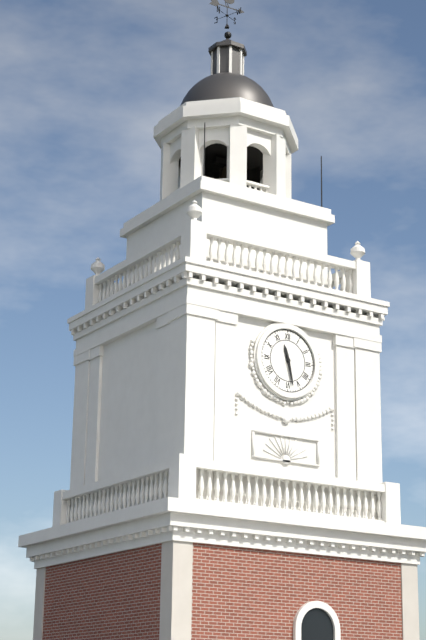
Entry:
11:28
